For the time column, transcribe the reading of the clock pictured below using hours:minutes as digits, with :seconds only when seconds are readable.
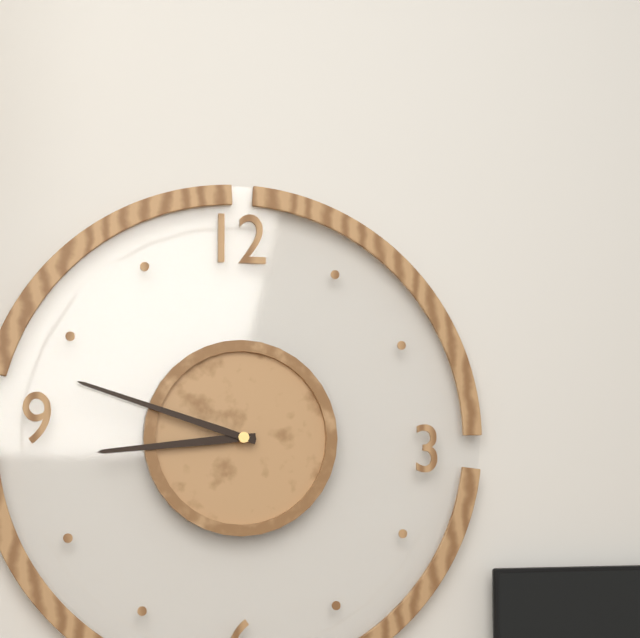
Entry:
8:48
